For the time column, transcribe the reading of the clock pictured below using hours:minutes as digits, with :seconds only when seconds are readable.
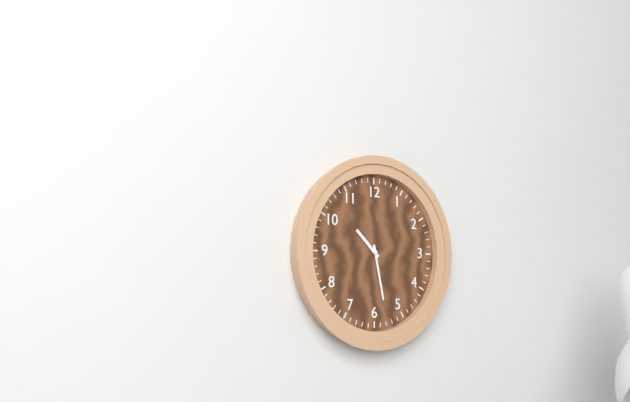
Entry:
10:28
